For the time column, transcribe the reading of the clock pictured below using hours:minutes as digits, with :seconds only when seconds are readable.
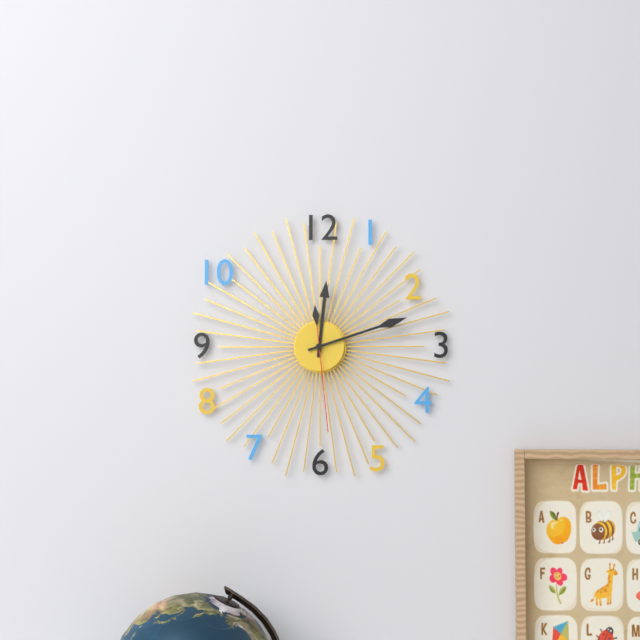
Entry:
12:12:29
